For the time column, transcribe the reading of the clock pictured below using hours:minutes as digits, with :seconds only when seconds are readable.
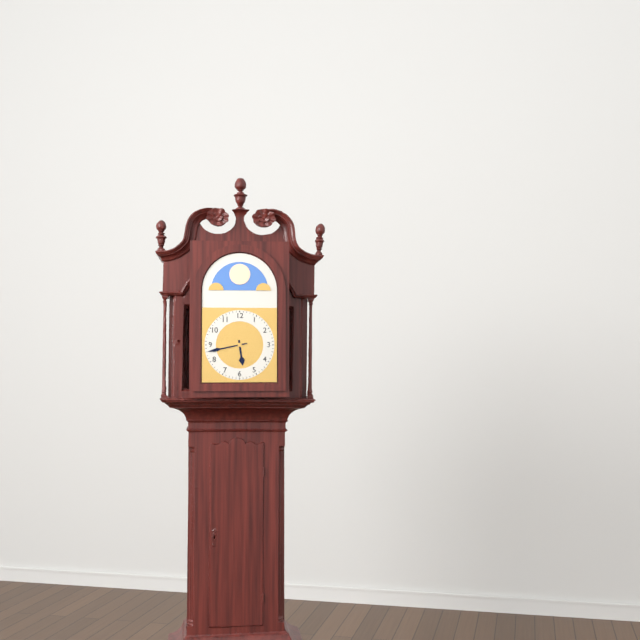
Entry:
5:43
